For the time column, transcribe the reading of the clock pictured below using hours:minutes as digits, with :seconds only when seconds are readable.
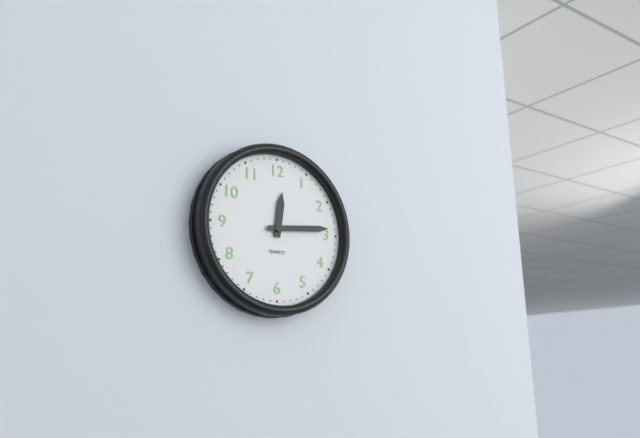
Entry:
12:14
